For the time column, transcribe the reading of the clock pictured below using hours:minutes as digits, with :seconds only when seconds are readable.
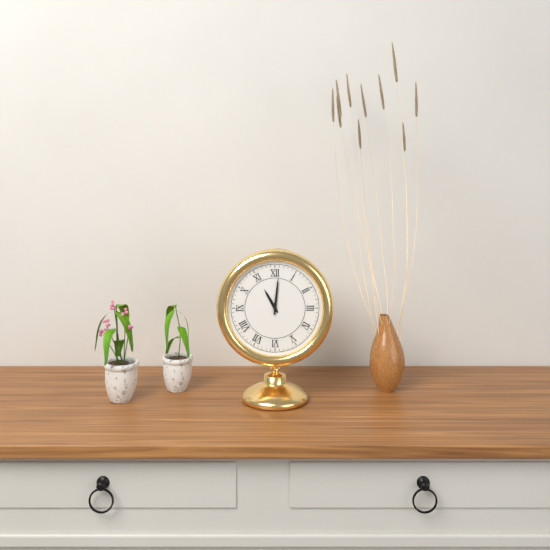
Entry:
11:01
